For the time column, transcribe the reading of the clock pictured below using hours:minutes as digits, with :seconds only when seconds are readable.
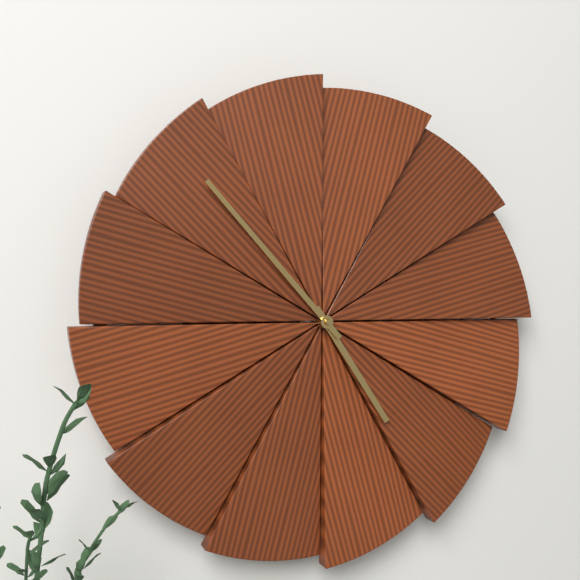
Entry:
4:53
